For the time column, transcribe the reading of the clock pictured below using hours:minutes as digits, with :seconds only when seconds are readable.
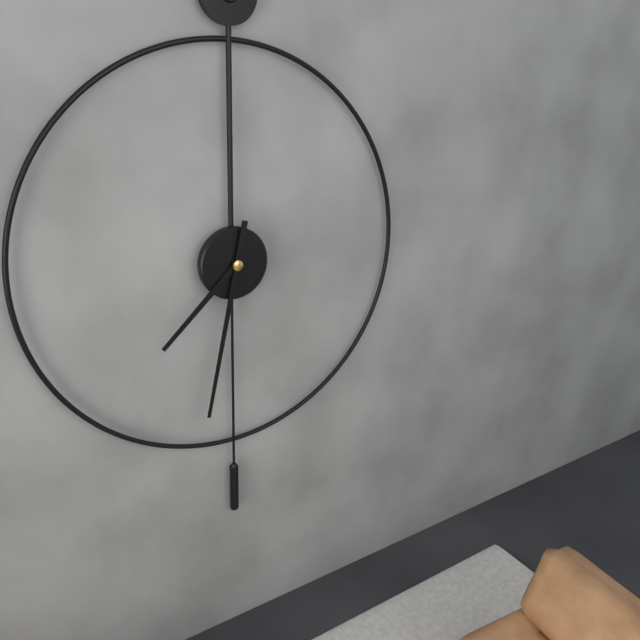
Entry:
7:32
